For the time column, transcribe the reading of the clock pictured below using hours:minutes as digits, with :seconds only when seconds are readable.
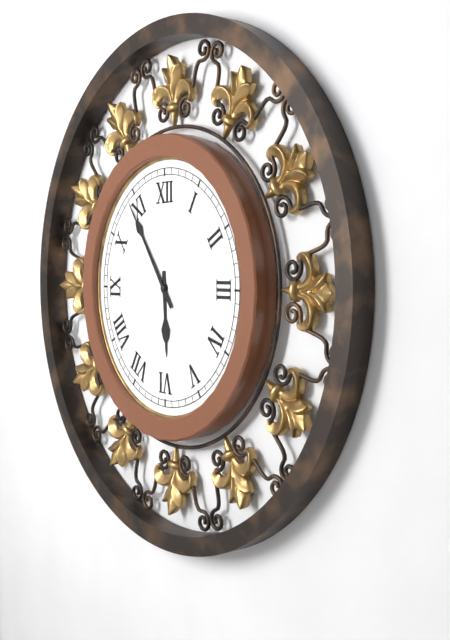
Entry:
5:54
